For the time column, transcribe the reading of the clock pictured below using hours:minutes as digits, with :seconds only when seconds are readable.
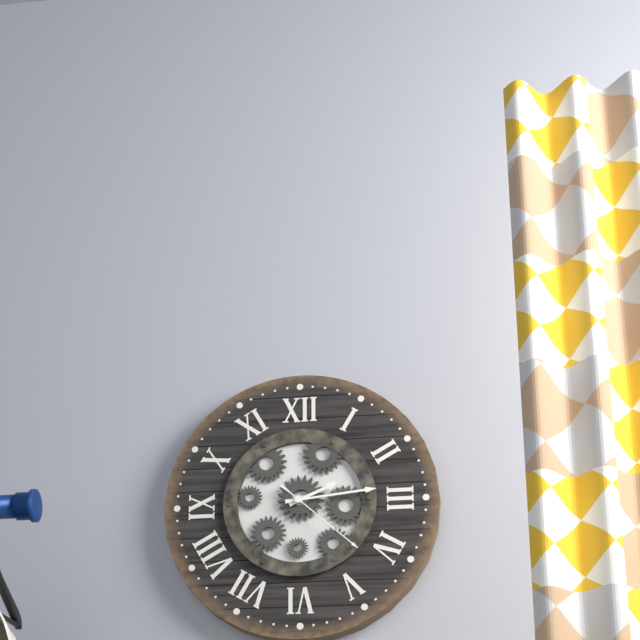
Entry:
2:14:22
